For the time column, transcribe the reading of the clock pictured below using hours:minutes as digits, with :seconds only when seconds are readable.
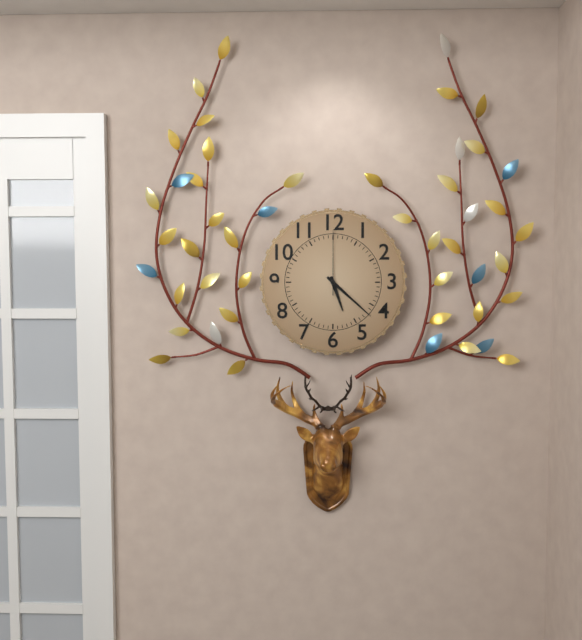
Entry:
5:22:00
